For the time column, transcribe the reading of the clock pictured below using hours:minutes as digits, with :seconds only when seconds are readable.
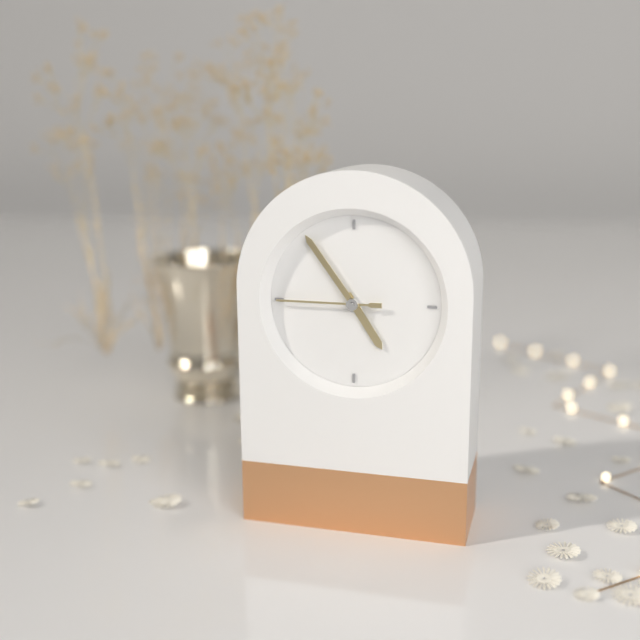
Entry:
4:54:45
